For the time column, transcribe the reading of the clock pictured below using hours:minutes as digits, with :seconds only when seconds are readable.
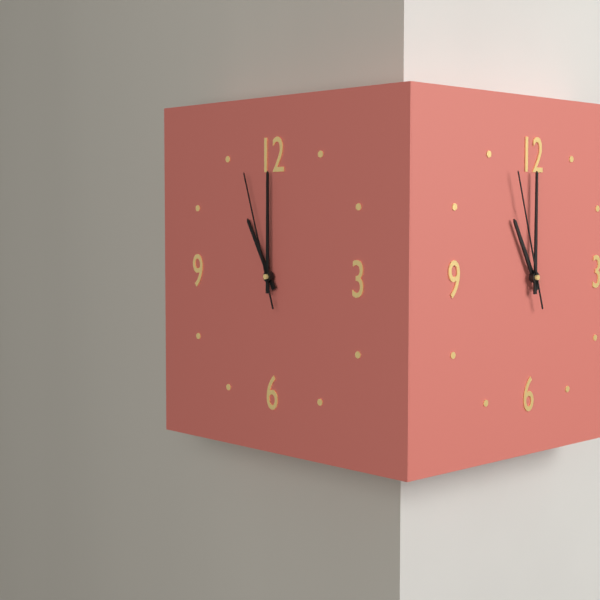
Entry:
11:00:57
